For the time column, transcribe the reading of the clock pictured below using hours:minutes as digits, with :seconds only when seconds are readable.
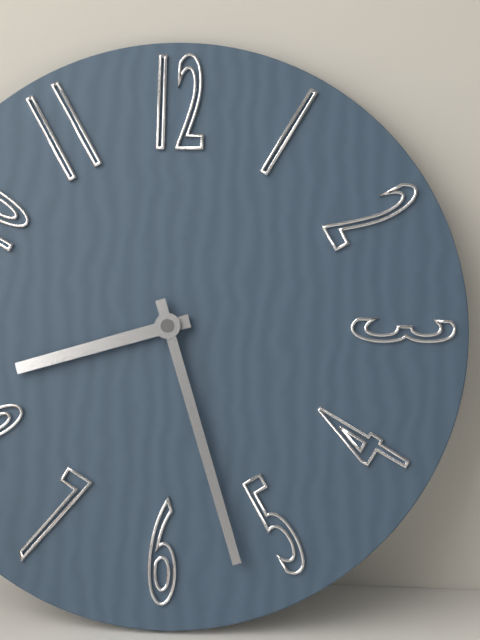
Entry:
8:27
